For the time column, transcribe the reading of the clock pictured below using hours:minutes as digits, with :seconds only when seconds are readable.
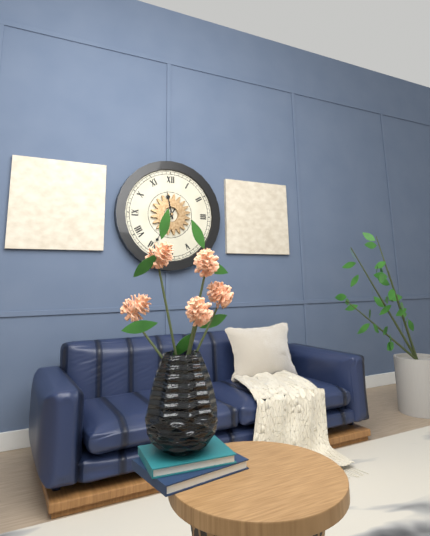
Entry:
11:35
